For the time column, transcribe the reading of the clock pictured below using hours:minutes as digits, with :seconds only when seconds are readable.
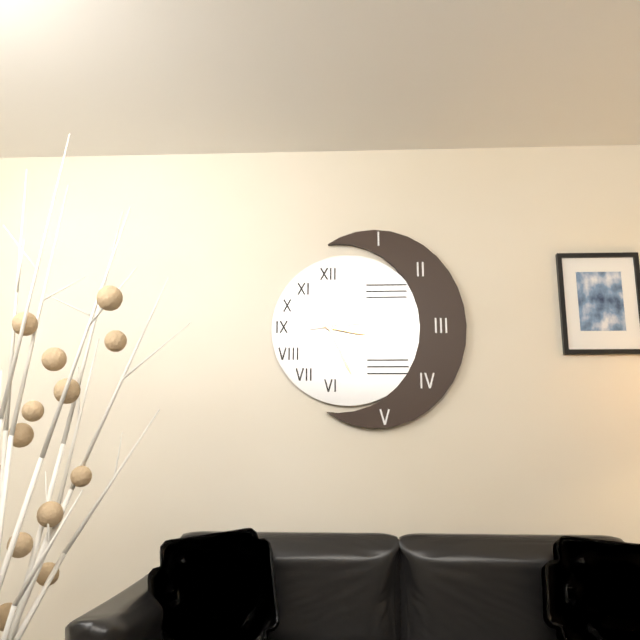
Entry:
3:26:14
